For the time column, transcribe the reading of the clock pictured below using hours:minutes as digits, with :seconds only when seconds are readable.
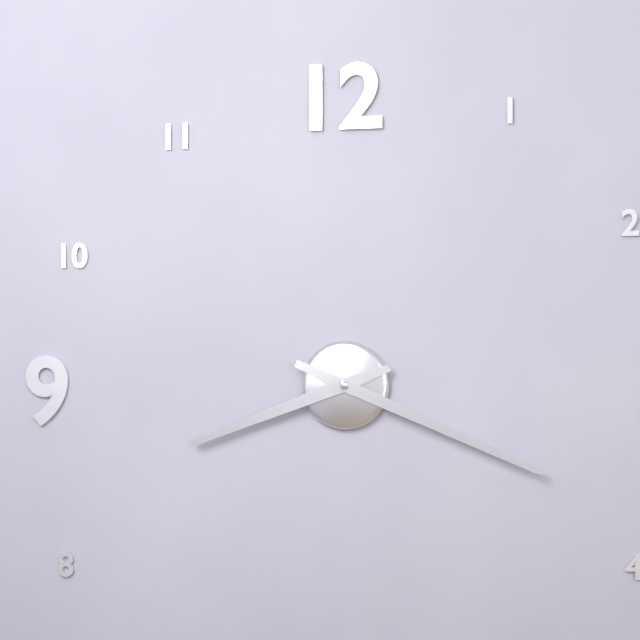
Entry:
8:19
